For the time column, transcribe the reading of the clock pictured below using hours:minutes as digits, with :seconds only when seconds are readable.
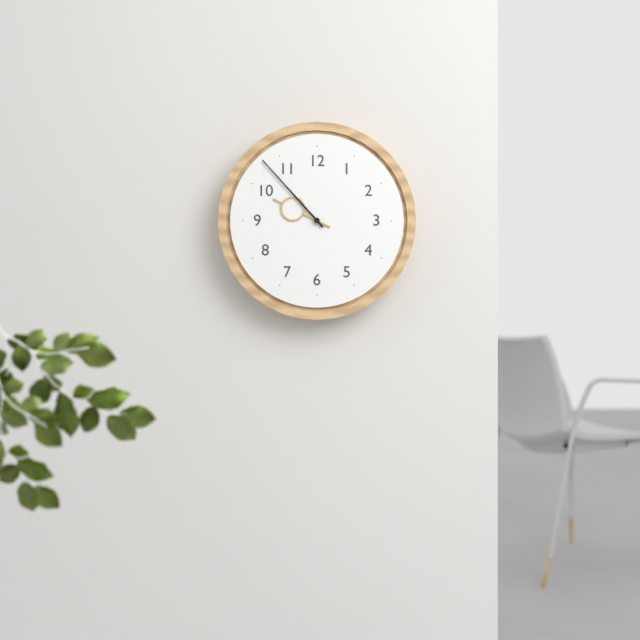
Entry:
9:53
